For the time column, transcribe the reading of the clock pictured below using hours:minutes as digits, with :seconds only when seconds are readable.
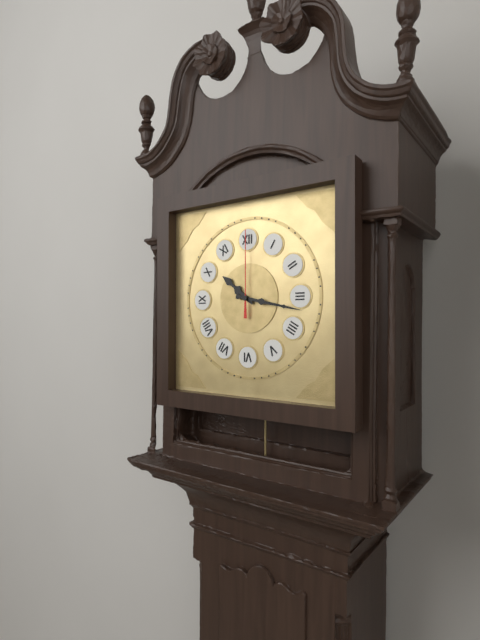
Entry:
10:17:00
